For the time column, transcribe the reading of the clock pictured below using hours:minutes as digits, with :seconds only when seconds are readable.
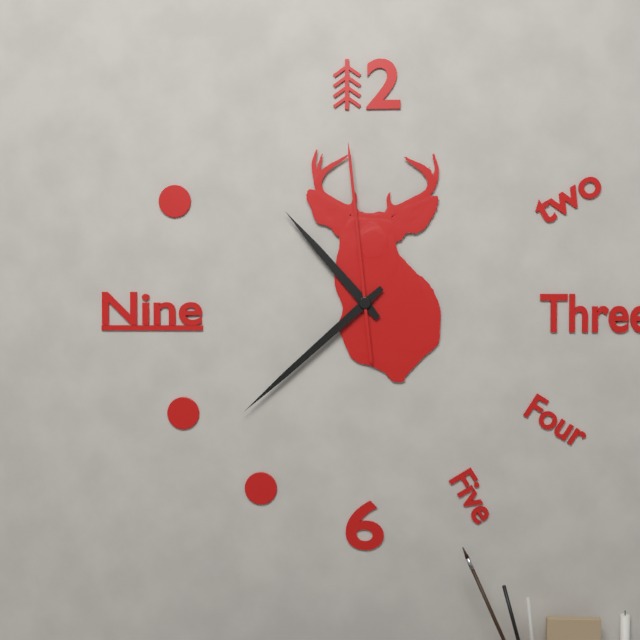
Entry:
10:38:59
